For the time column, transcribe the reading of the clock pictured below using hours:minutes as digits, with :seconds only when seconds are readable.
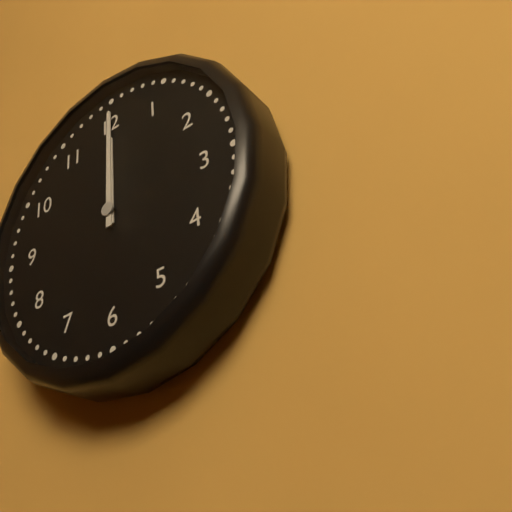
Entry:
12:00
